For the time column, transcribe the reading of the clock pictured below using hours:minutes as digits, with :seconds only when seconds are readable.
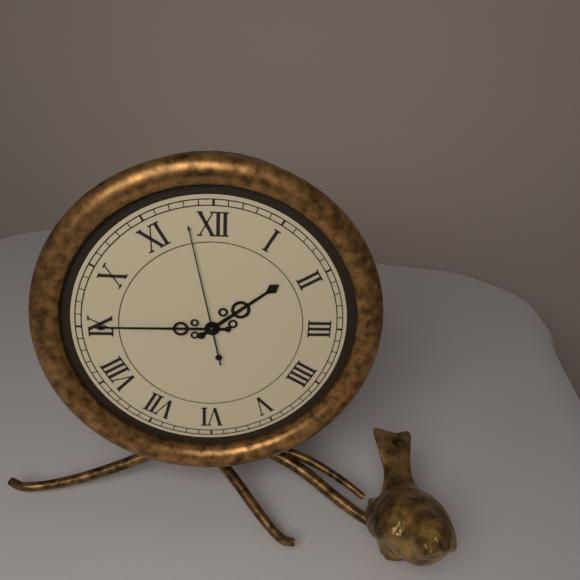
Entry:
1:45:58
